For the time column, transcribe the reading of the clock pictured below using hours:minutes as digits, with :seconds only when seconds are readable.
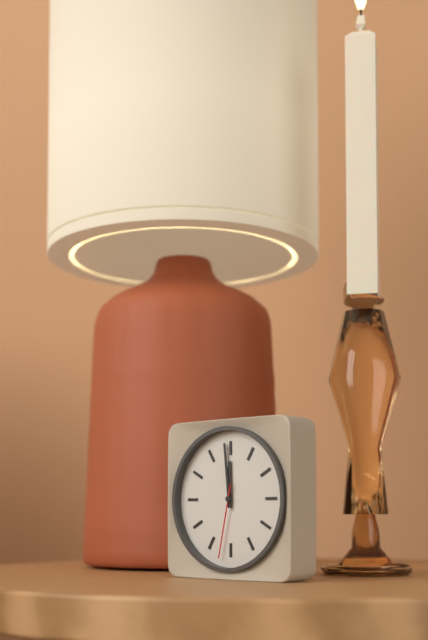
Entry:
11:59:32
